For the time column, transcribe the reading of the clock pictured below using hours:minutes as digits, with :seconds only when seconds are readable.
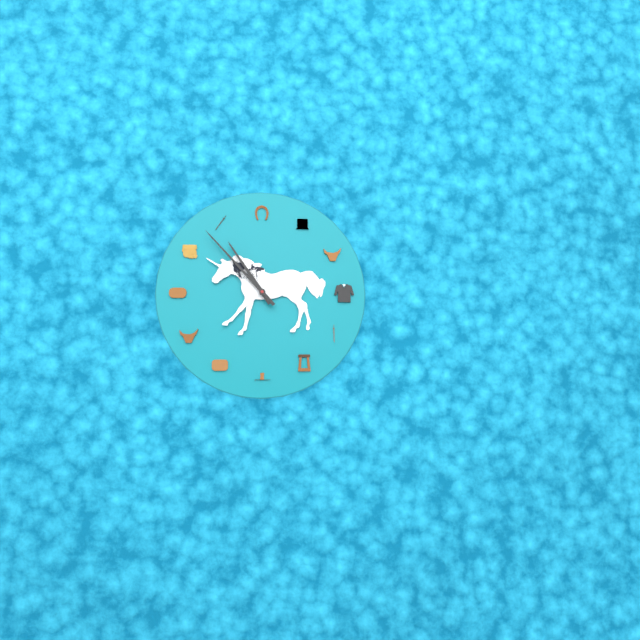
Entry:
10:53
